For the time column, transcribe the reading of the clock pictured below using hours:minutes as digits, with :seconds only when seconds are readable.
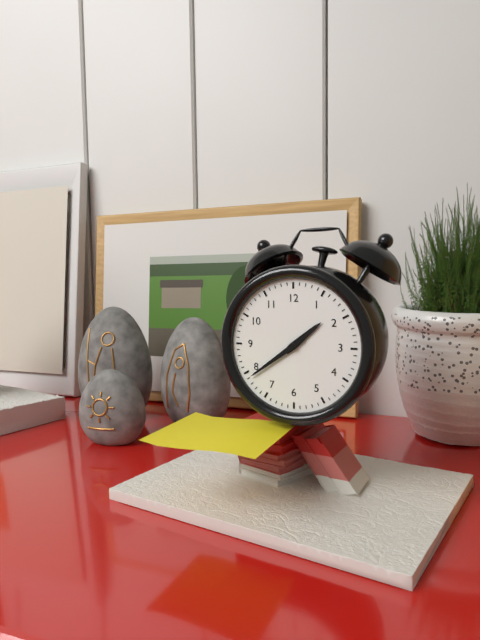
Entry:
1:39
